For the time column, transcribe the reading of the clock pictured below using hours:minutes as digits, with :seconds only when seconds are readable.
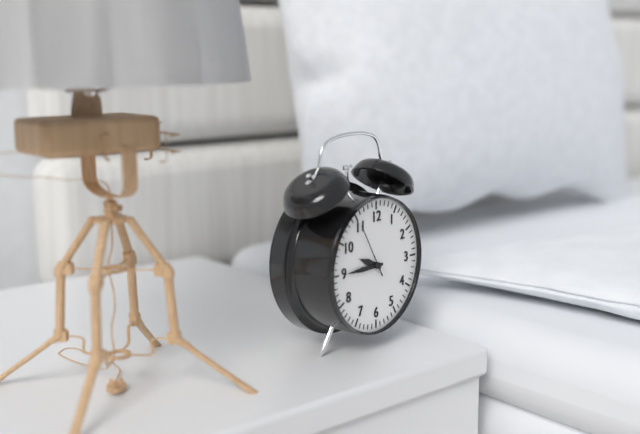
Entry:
9:45
